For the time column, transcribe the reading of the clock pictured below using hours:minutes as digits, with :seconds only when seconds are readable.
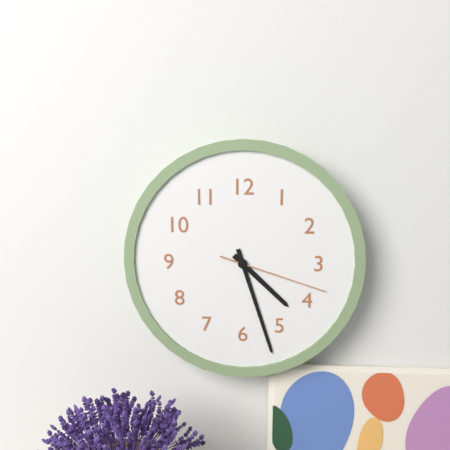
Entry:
4:27:18
